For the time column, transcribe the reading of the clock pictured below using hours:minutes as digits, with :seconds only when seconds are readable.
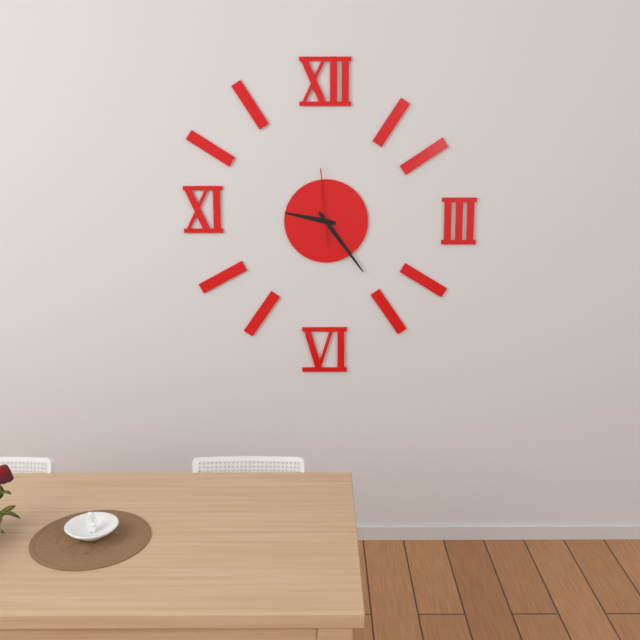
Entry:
9:24:59
